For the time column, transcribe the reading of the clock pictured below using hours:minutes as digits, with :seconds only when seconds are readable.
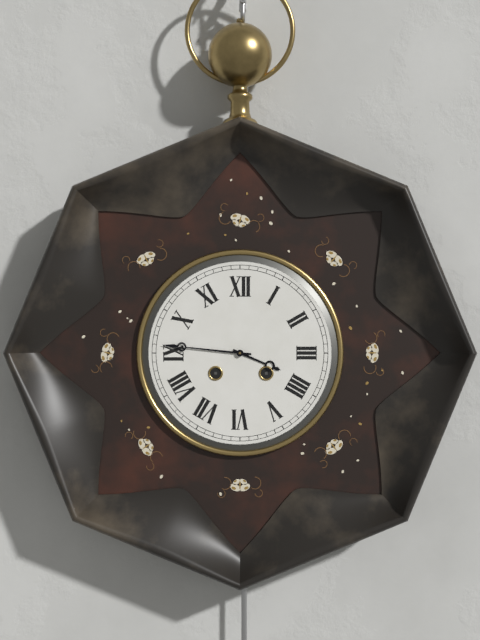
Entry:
3:46
